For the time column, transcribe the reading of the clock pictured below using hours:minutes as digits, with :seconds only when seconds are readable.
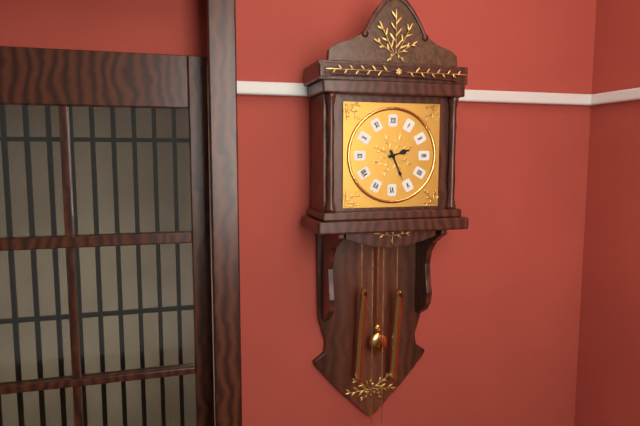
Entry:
2:26
